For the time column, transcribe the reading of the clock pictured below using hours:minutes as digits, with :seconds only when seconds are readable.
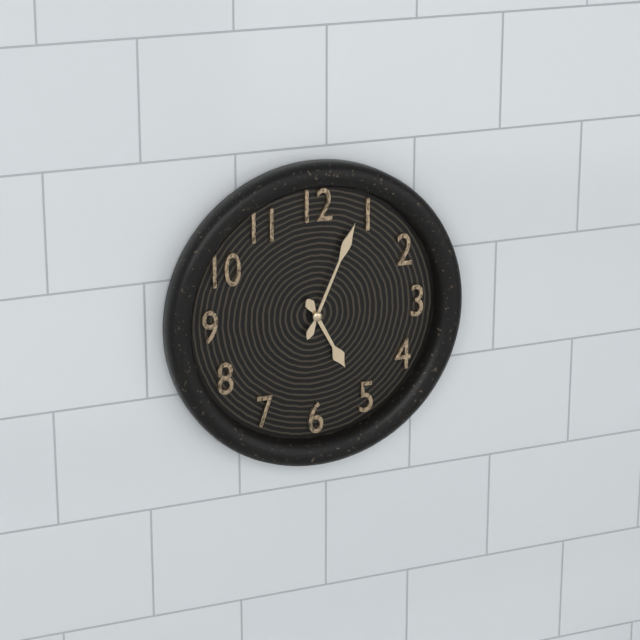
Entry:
5:04
